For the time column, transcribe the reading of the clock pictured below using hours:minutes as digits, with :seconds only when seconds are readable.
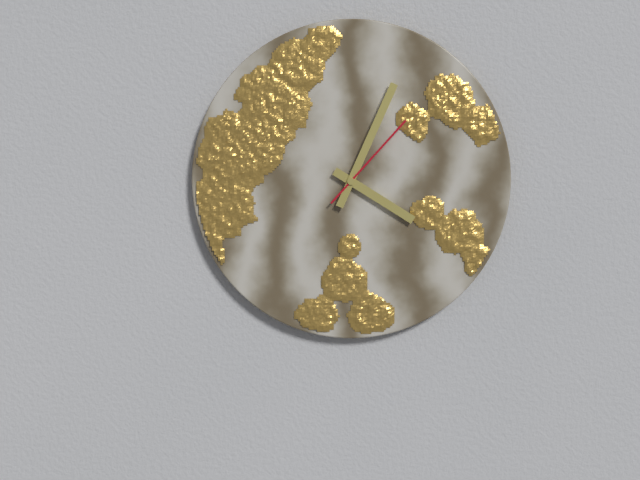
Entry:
4:04:07
